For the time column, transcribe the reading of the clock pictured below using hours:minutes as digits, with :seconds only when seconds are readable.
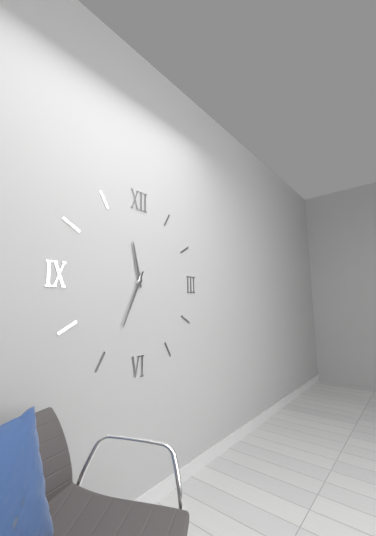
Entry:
11:34
